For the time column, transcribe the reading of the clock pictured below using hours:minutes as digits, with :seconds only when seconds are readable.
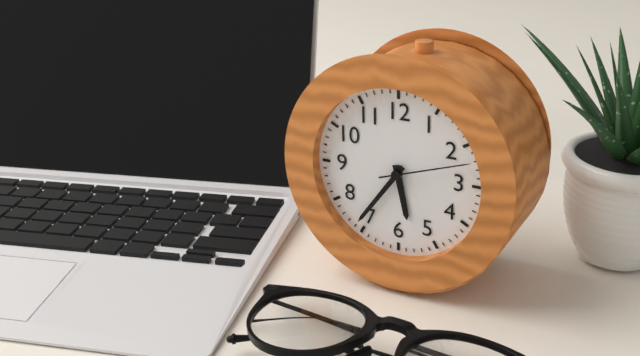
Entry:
5:36:12
